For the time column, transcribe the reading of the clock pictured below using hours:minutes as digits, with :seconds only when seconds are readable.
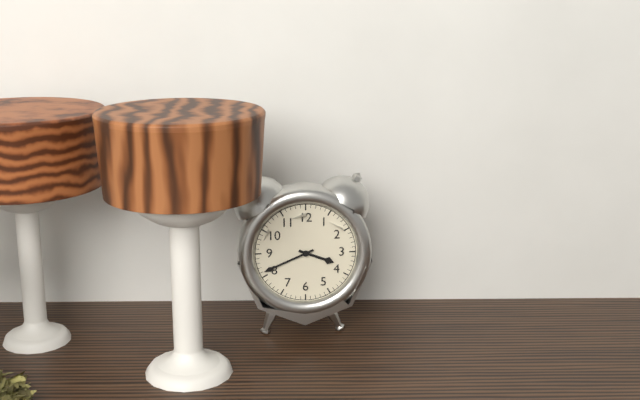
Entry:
3:41
